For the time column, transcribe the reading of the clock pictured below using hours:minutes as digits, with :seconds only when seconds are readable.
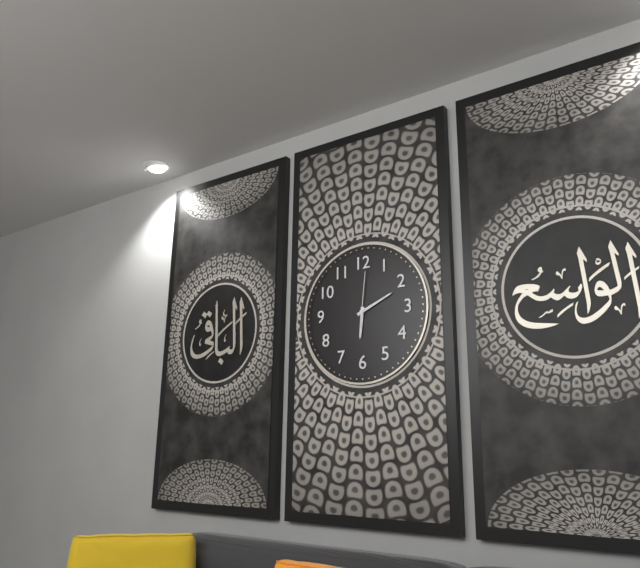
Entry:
6:11:01
